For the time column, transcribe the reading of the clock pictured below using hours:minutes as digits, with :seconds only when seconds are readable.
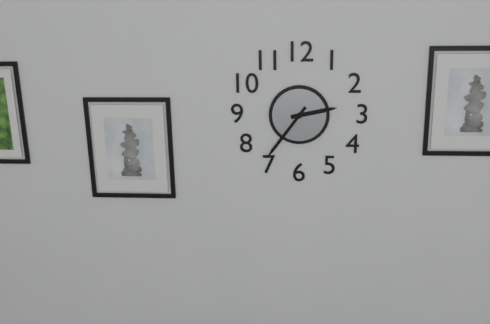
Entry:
2:36
